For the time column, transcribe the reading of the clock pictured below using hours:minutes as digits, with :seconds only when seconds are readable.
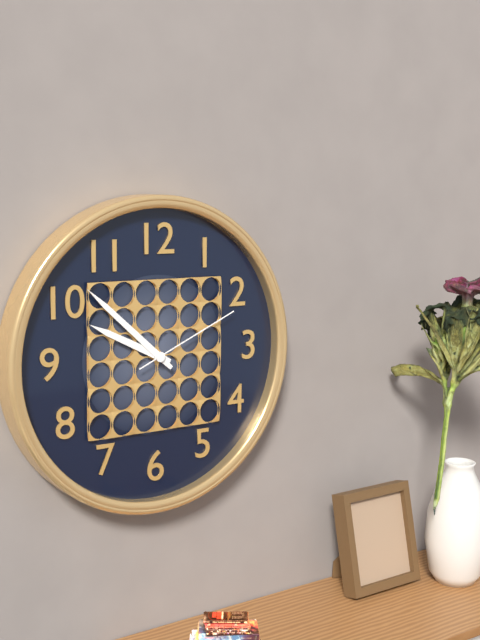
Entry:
9:52:11
